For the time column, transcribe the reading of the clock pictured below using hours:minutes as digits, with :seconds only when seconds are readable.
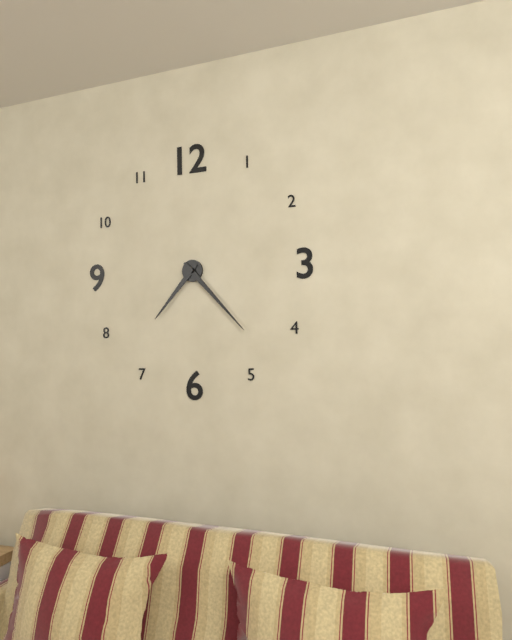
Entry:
7:23
